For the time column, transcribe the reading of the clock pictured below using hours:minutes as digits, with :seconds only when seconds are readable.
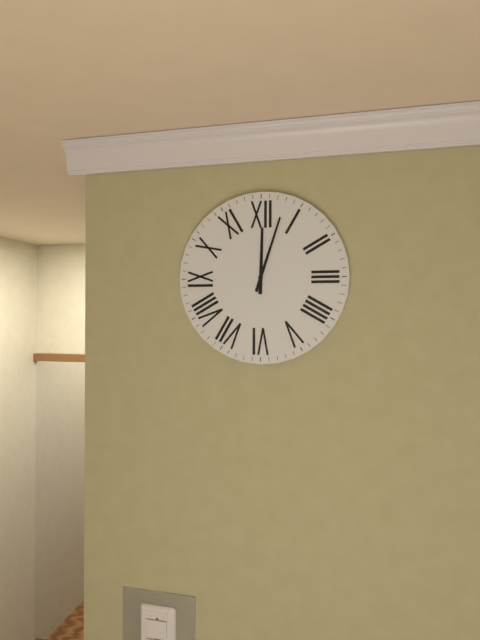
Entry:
12:03
